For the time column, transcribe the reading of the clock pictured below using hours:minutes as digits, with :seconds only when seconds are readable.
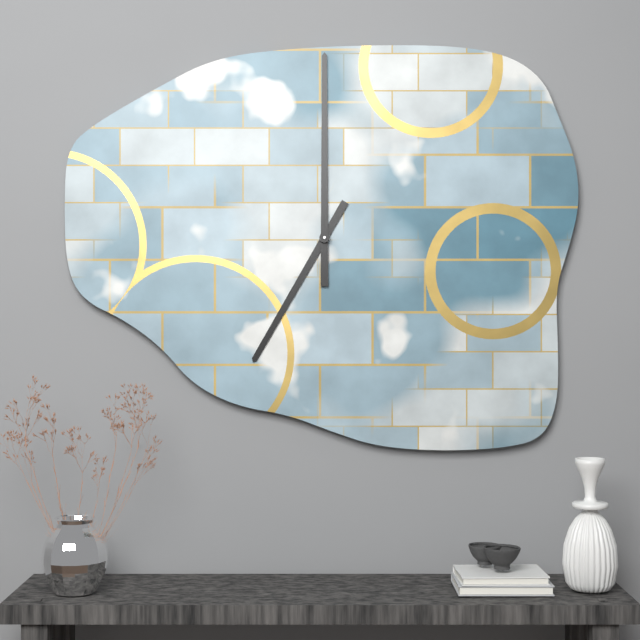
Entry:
7:00
